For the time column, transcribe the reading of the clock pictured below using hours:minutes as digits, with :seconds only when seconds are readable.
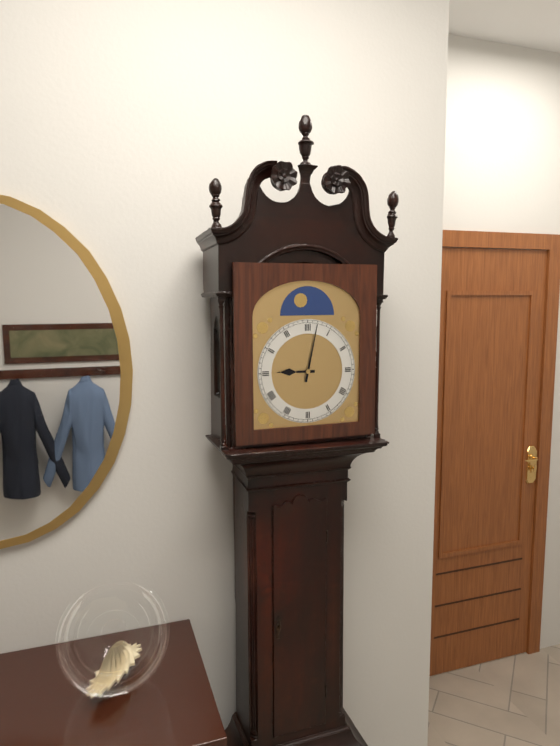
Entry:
9:02
